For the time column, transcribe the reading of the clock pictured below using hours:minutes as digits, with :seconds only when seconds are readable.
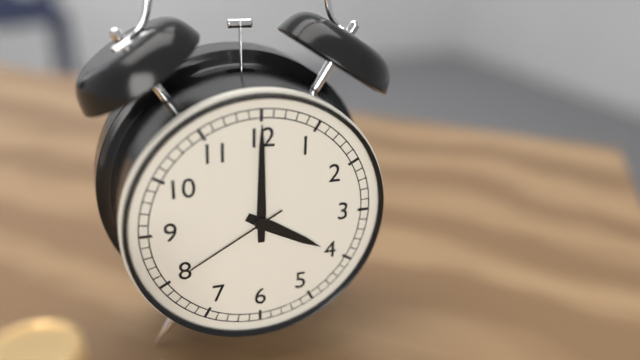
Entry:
4:00:40
